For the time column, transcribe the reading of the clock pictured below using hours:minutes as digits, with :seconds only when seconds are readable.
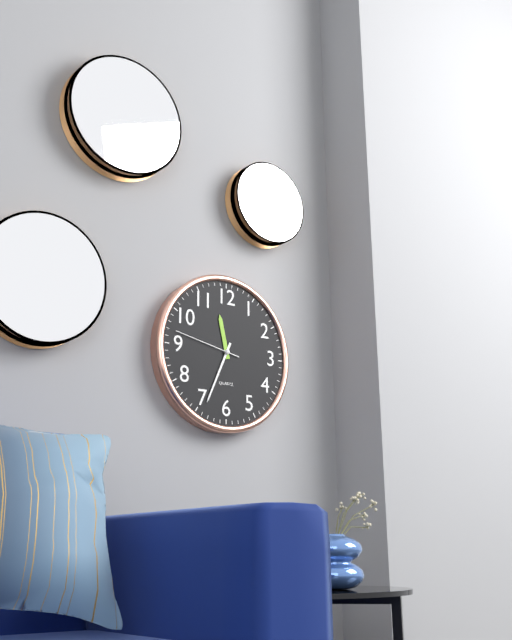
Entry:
11:34:47
